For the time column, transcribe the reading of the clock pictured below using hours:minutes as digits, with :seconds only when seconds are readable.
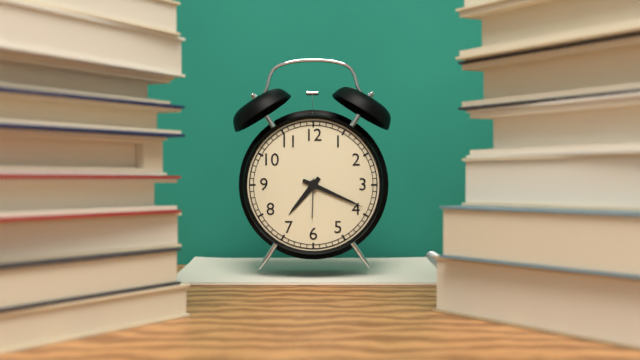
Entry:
7:19
